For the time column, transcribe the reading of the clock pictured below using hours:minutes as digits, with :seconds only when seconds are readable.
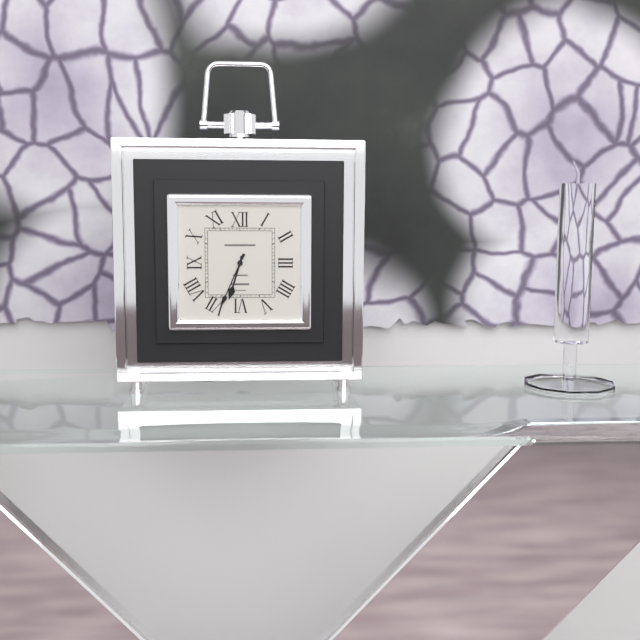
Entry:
6:34
